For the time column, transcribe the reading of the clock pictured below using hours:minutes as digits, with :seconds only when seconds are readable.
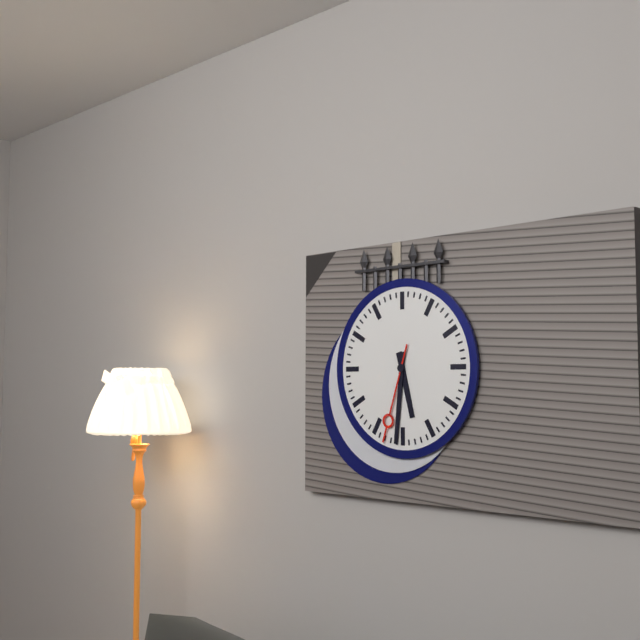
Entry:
5:31:33
